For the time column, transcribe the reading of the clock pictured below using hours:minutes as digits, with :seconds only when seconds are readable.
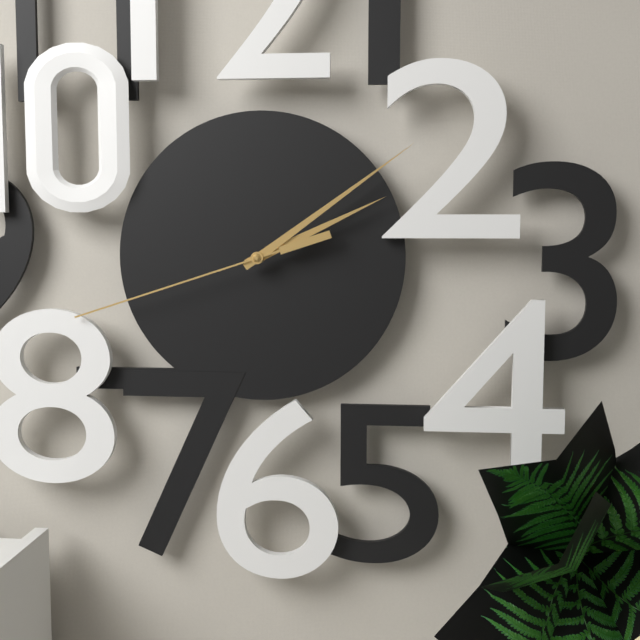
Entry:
2:09:42
